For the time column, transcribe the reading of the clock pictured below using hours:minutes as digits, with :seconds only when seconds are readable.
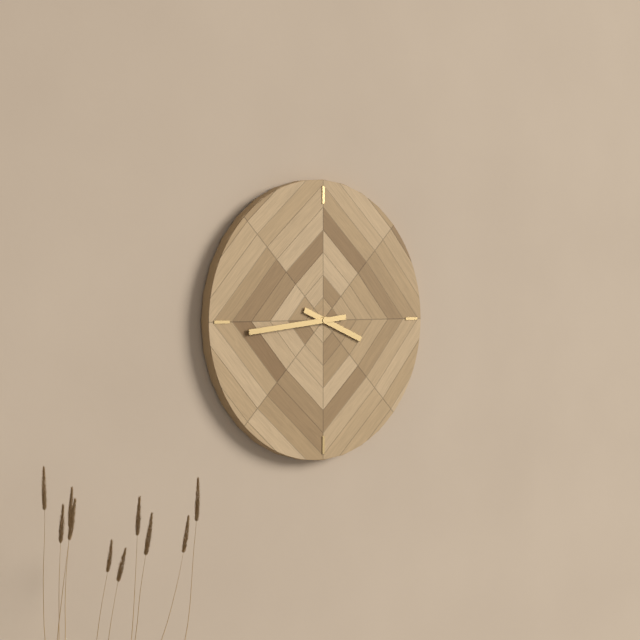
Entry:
3:44
